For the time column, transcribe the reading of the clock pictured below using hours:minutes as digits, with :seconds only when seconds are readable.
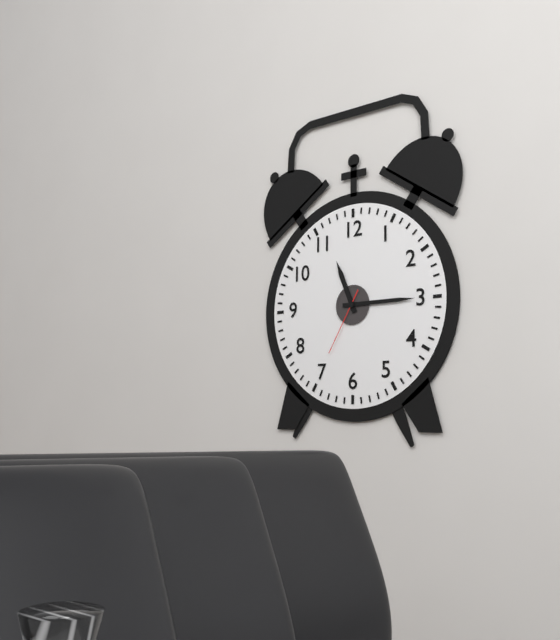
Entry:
11:15:35
